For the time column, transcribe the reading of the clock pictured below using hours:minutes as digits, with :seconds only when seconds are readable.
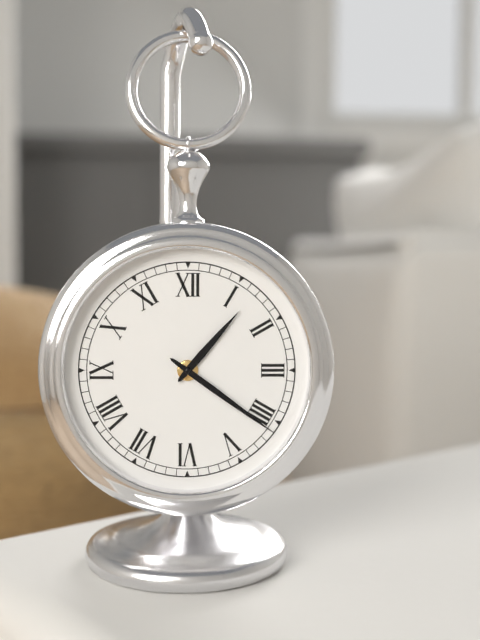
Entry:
1:21
